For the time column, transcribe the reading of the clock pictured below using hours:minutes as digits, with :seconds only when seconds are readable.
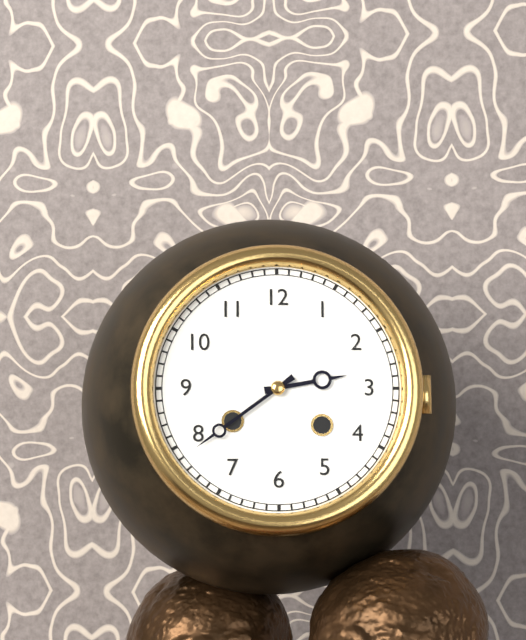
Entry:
2:39
